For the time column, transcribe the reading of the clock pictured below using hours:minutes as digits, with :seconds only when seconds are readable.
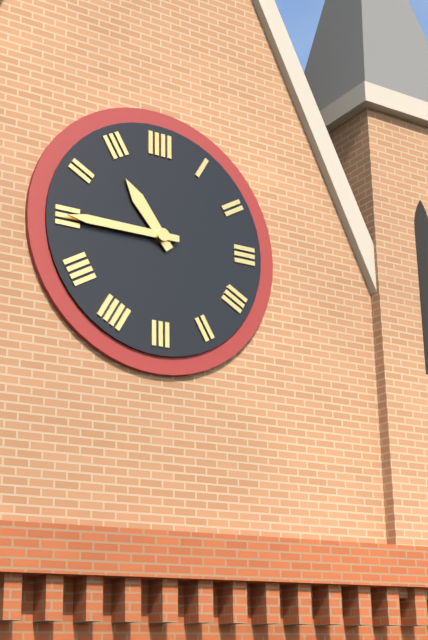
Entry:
10:45
